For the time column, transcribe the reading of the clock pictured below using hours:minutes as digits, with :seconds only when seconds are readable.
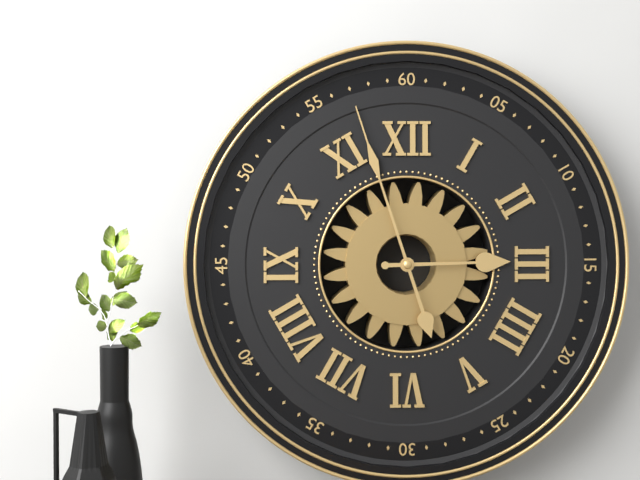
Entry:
2:57
